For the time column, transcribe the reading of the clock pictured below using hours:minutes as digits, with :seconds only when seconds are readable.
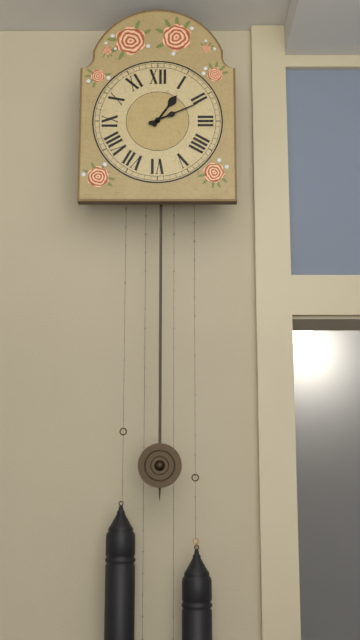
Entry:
1:11
